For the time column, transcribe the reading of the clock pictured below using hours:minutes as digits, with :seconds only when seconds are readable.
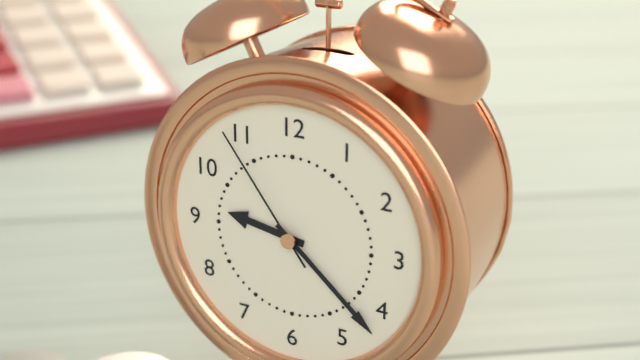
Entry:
9:22:54
